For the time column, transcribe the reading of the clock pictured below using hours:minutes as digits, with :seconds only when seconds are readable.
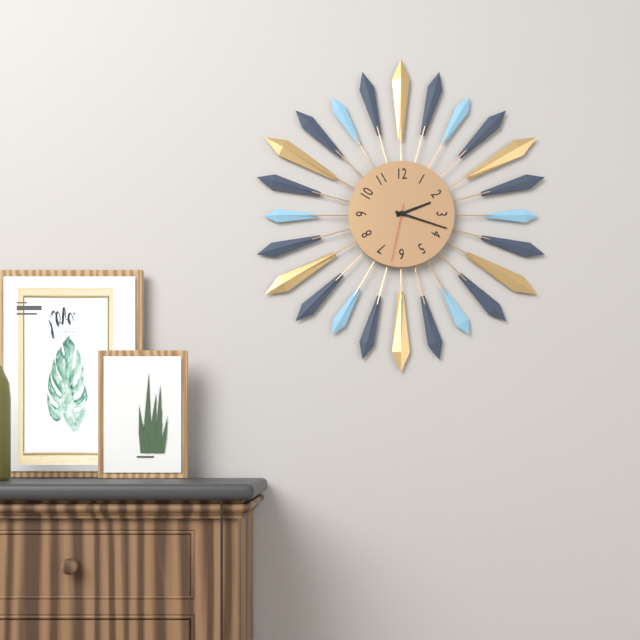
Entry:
2:18:32
